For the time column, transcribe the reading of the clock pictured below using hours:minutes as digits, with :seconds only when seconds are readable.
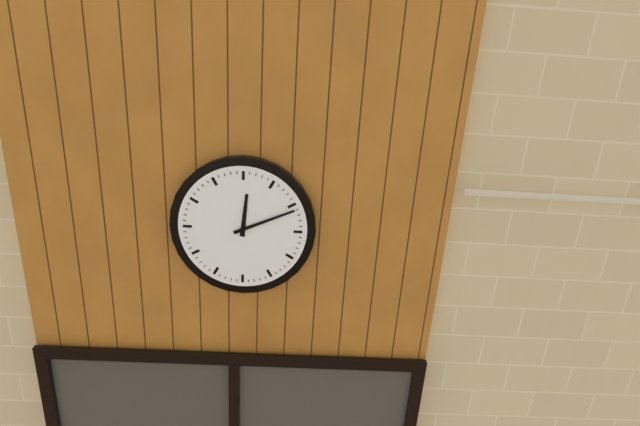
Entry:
12:11
